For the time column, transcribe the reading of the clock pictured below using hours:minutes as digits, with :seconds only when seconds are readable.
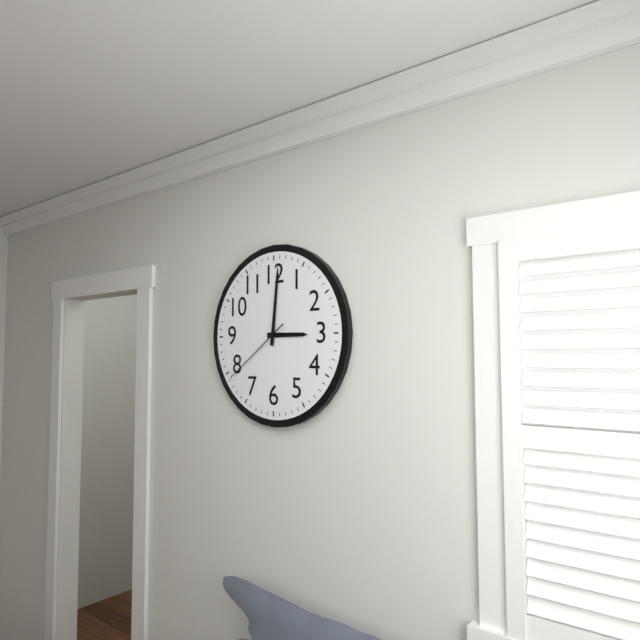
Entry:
3:01:39
